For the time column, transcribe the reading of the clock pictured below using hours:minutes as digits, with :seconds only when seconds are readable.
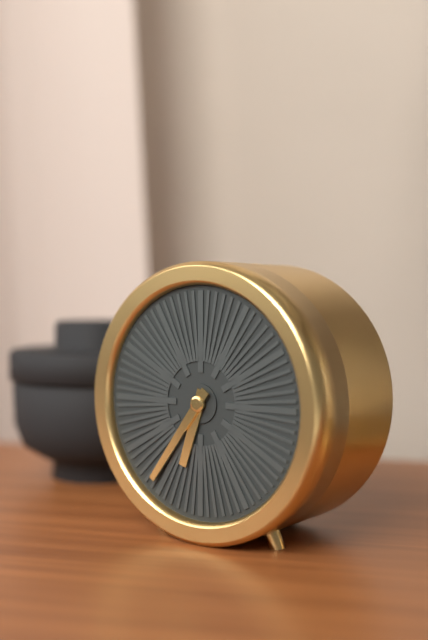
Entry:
6:36
